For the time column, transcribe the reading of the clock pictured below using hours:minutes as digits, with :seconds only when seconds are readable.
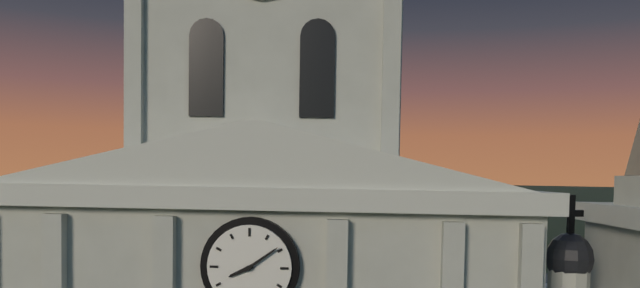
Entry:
8:09
